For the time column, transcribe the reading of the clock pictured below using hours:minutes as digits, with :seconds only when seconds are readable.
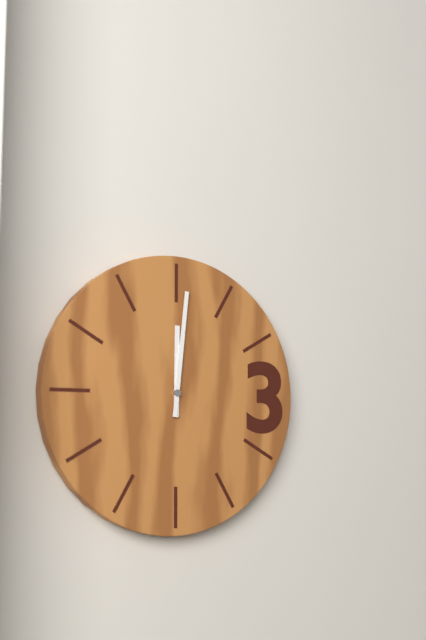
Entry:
12:01
